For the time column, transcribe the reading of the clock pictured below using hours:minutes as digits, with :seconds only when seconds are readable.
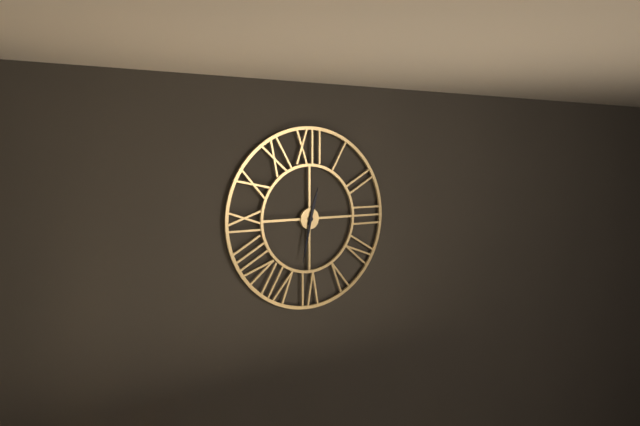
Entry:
12:32
